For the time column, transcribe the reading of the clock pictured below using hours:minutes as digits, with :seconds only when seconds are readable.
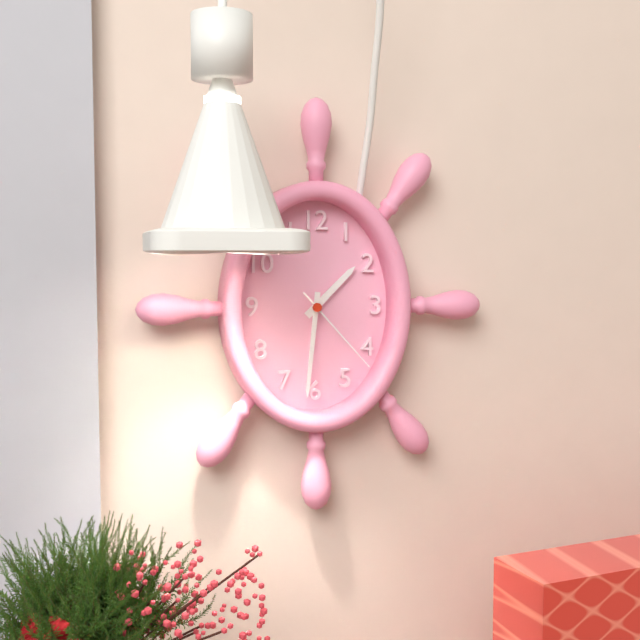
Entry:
1:31:23
